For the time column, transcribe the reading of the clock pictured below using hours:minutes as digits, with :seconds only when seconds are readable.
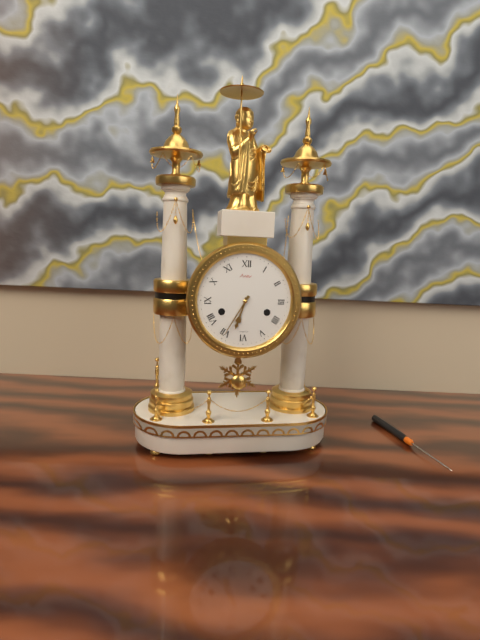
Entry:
6:35
